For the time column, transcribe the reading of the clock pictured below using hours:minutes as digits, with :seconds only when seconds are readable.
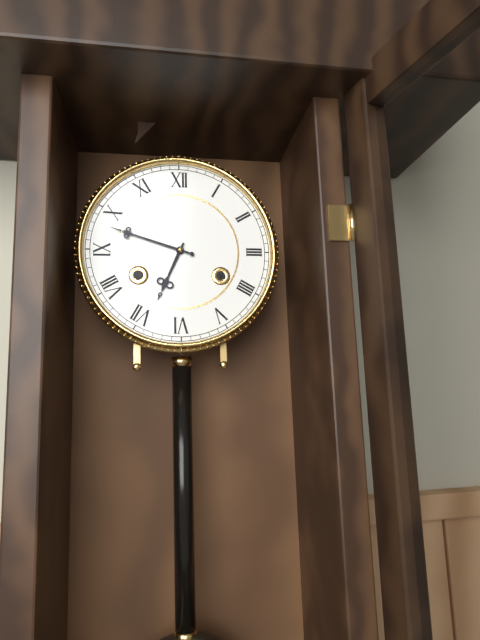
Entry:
6:48
